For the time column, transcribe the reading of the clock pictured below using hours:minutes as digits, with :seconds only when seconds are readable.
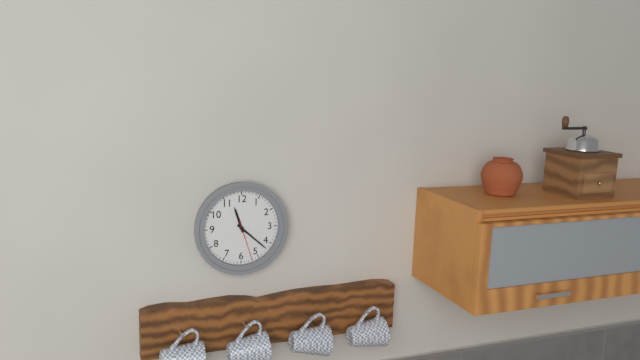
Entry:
11:22
